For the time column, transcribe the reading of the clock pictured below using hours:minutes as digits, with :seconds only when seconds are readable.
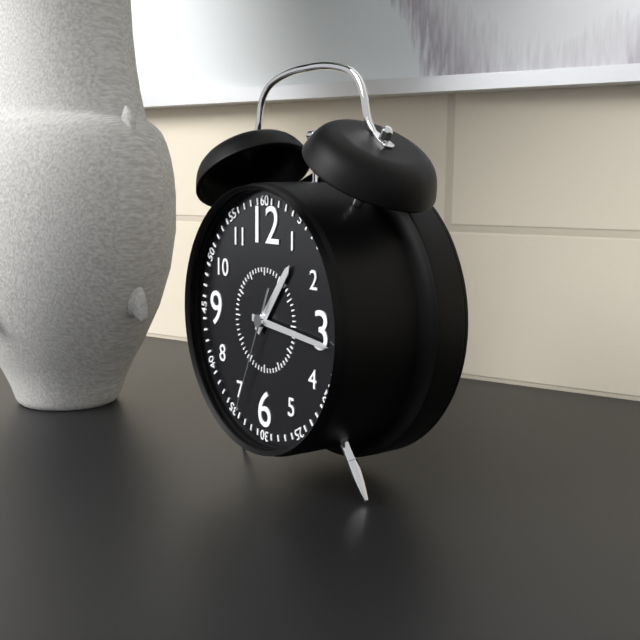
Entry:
1:16:34
